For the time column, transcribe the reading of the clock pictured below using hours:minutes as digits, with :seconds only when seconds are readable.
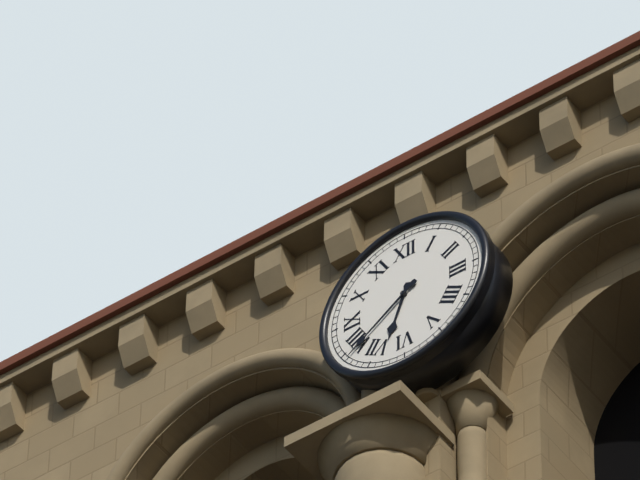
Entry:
6:39
